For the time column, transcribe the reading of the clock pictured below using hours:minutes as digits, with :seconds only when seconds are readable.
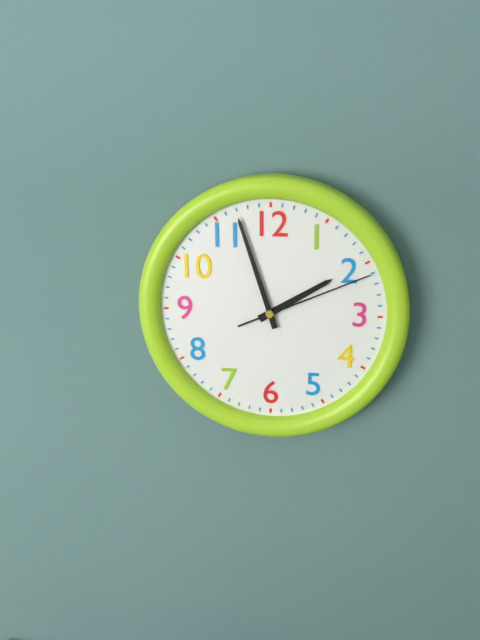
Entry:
1:57:11
